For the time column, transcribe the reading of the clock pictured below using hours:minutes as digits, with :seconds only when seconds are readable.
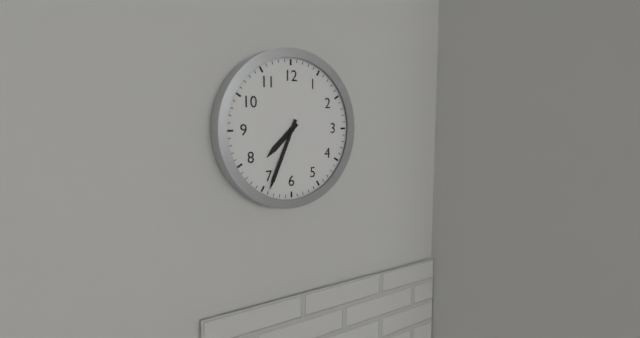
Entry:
7:34
